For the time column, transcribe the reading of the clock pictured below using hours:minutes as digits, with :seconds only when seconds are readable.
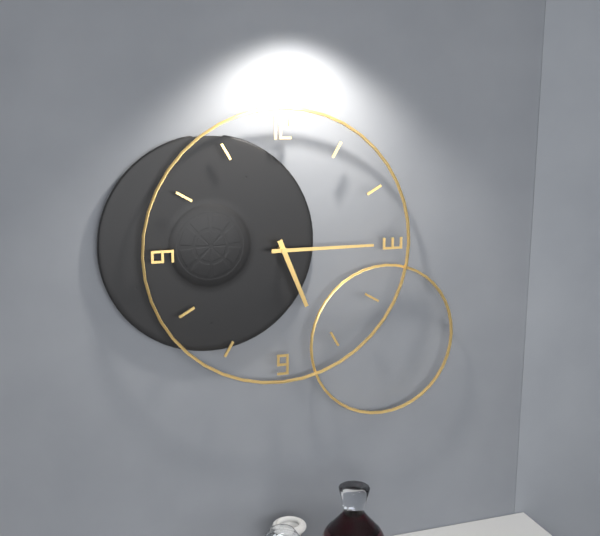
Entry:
5:15
